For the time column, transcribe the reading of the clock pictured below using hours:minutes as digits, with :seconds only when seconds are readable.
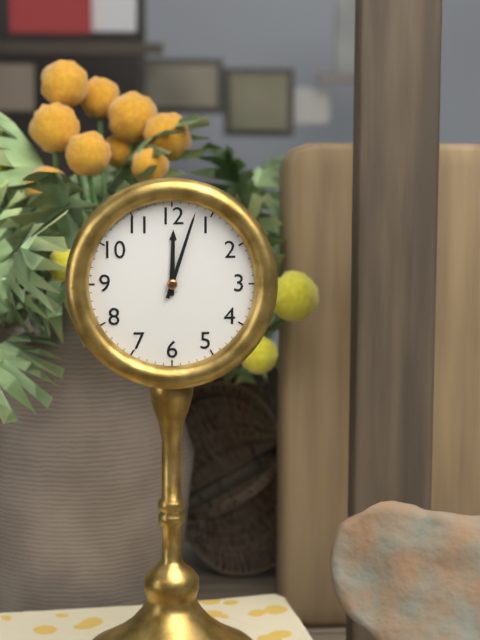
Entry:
12:03
